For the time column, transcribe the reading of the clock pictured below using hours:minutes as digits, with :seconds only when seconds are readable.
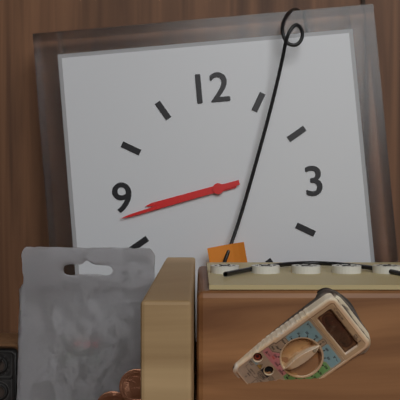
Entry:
8:43
